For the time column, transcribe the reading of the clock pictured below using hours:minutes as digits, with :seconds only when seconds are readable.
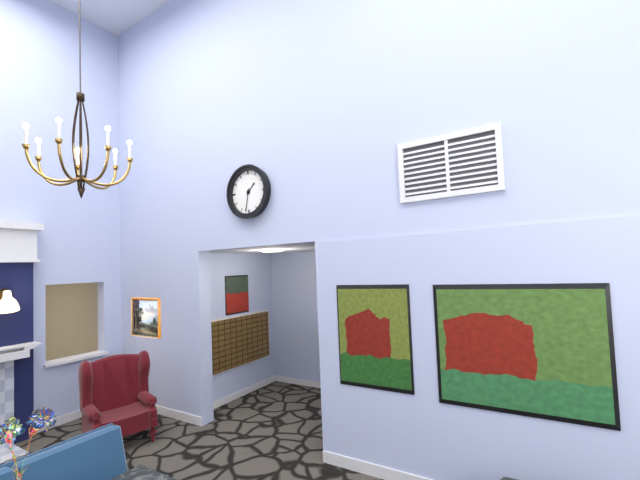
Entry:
1:32
